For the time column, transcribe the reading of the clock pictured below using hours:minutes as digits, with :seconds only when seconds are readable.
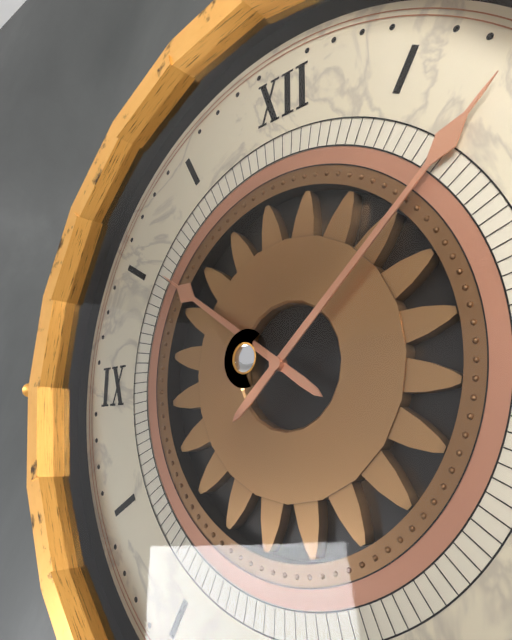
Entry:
10:08
